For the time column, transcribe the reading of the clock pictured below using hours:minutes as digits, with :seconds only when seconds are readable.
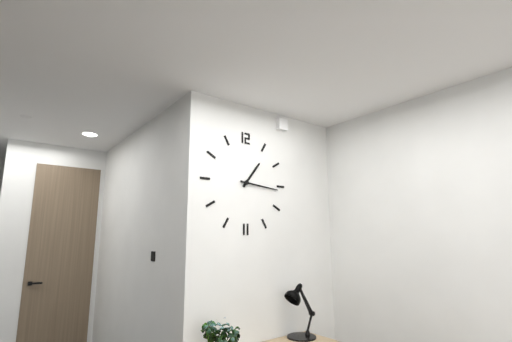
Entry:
1:16
